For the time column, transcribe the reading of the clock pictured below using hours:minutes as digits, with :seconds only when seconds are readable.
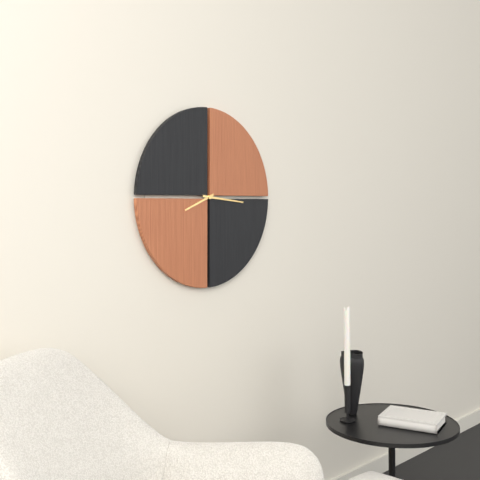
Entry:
8:16
